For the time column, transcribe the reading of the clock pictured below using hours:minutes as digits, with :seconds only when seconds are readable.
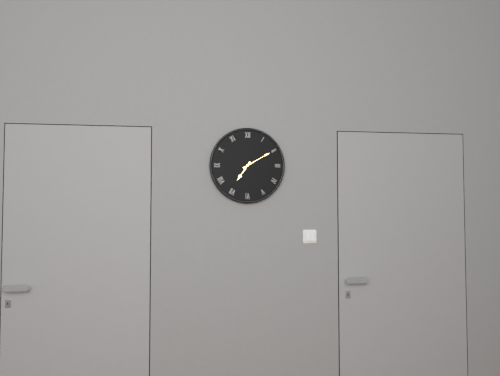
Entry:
7:10
